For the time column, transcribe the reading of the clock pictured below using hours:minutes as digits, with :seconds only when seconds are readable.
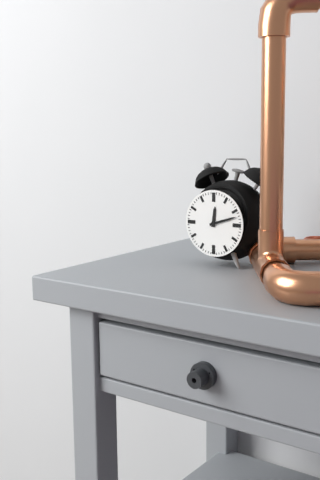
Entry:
12:12
